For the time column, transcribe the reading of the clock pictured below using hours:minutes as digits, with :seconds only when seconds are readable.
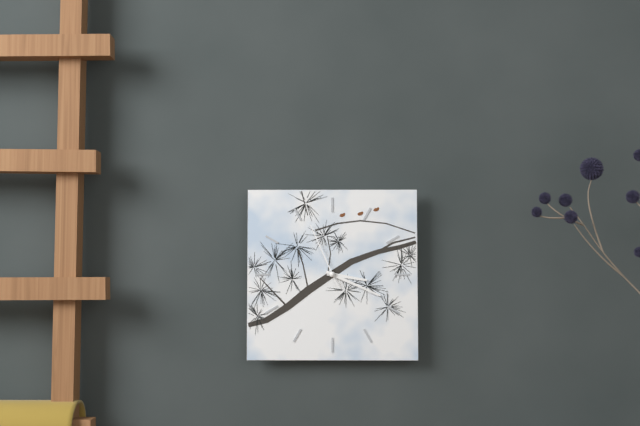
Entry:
3:19:56
